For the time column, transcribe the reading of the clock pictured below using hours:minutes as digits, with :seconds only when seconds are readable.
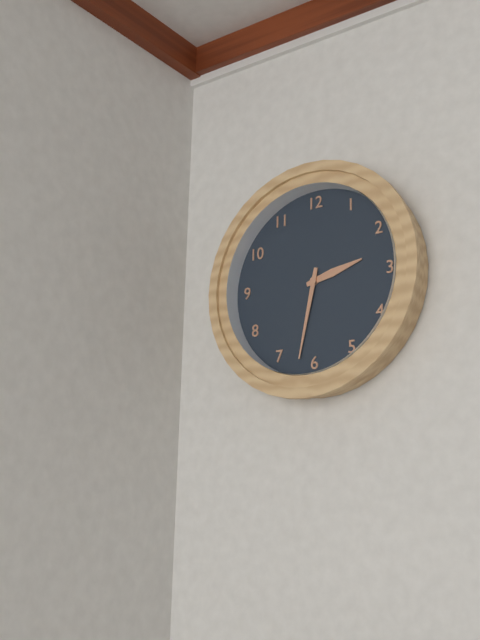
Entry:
2:32
